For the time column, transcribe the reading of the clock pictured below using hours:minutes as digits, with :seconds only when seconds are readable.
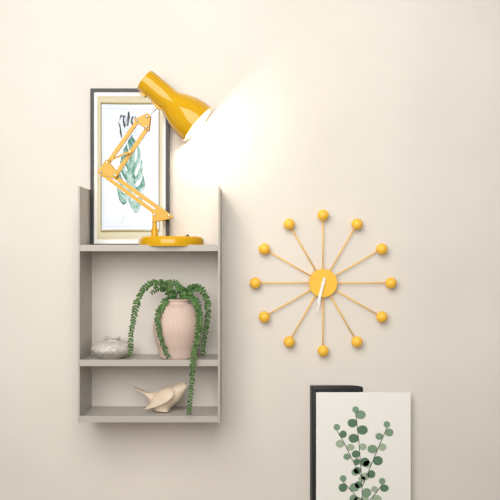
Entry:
6:32
